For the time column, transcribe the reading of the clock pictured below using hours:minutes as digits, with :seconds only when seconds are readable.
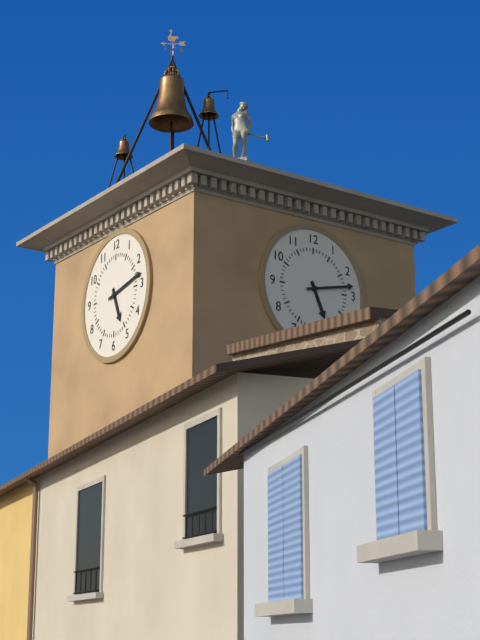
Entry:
5:13
